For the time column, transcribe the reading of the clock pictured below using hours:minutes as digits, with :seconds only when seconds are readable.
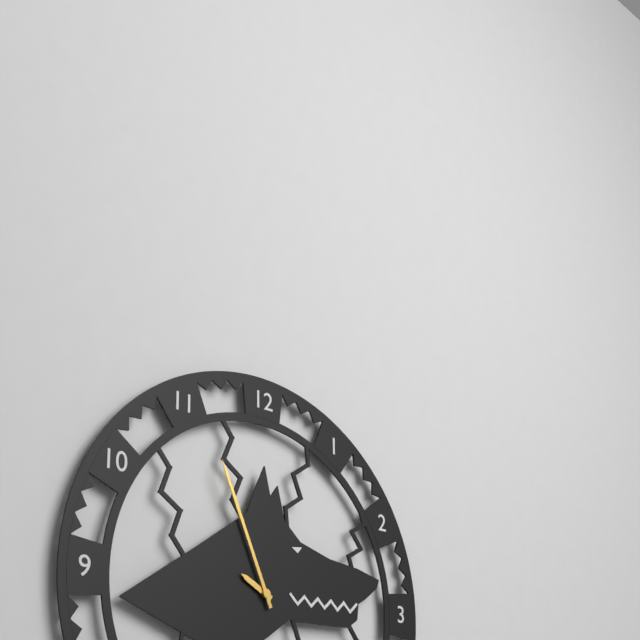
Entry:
9:56
